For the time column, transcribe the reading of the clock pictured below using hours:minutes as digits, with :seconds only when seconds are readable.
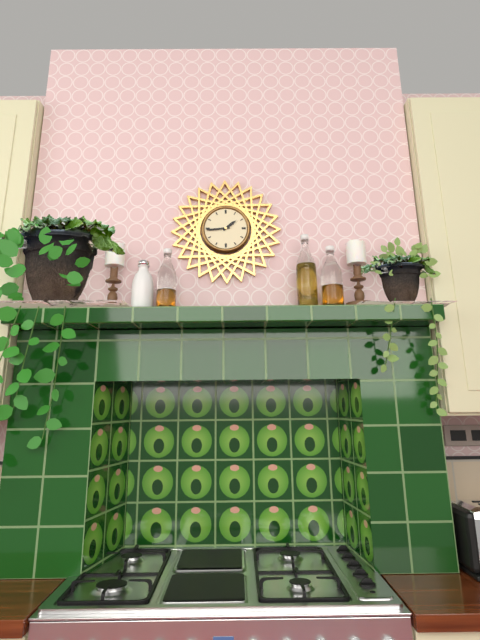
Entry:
1:44
